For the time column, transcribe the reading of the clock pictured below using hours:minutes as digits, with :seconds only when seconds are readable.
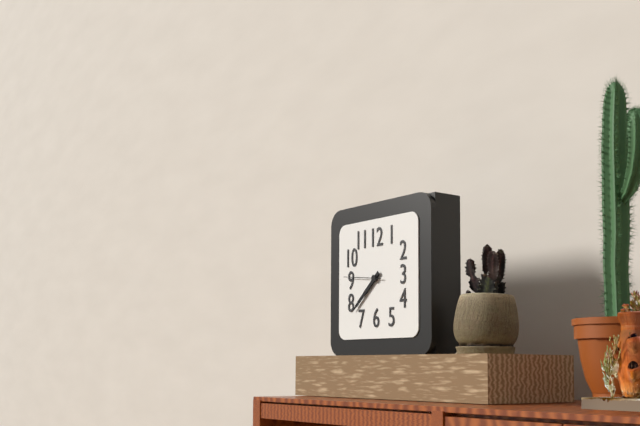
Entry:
7:38
